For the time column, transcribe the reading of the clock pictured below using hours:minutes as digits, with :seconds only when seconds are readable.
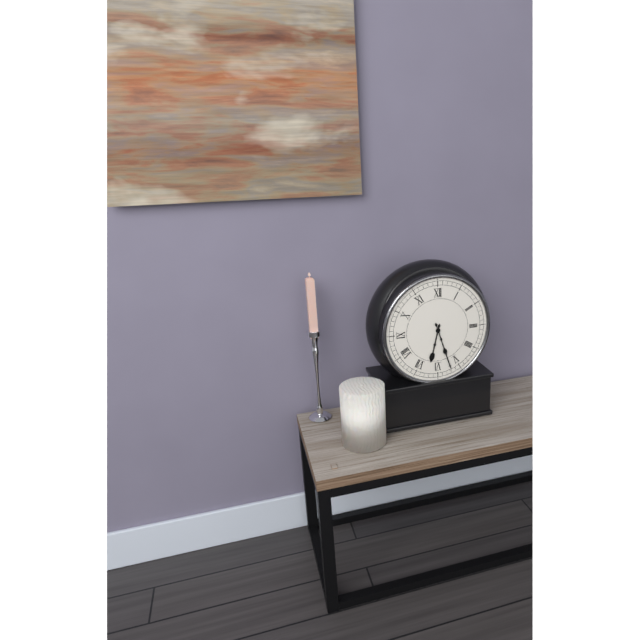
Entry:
6:27
